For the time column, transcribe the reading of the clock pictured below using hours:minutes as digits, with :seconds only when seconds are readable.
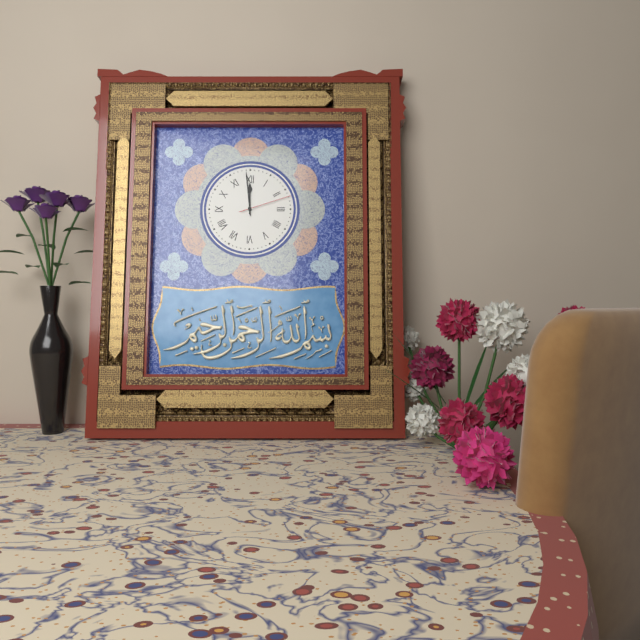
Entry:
11:59:12
